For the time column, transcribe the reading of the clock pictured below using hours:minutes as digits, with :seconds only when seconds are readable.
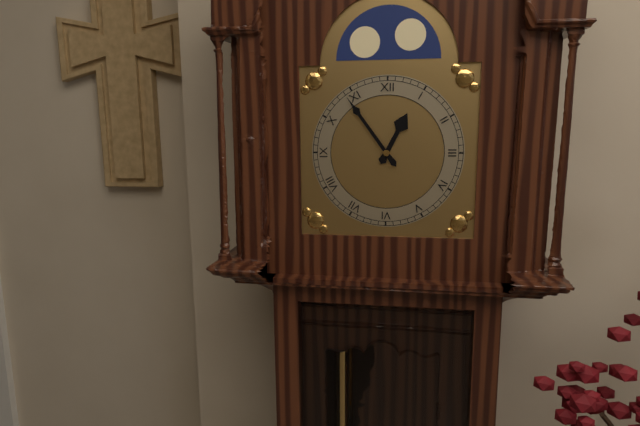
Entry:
12:54
